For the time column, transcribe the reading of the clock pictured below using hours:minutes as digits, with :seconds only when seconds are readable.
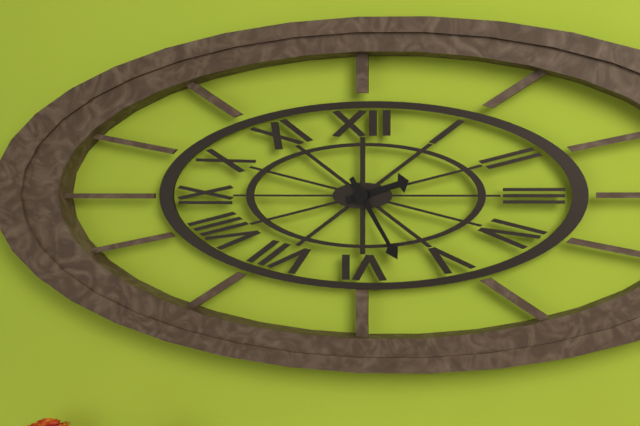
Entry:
2:25
